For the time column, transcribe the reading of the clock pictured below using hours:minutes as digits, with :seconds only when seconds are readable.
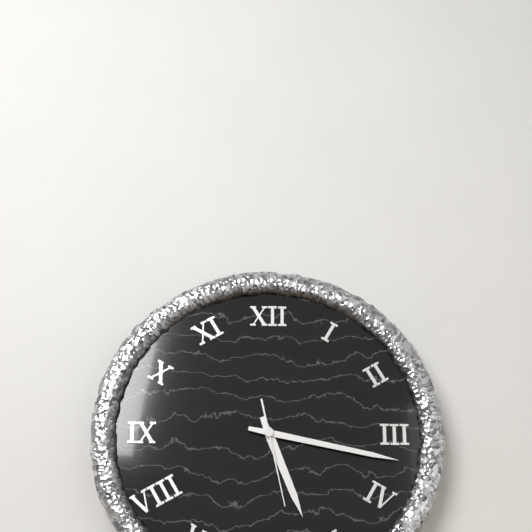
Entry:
5:17:28
